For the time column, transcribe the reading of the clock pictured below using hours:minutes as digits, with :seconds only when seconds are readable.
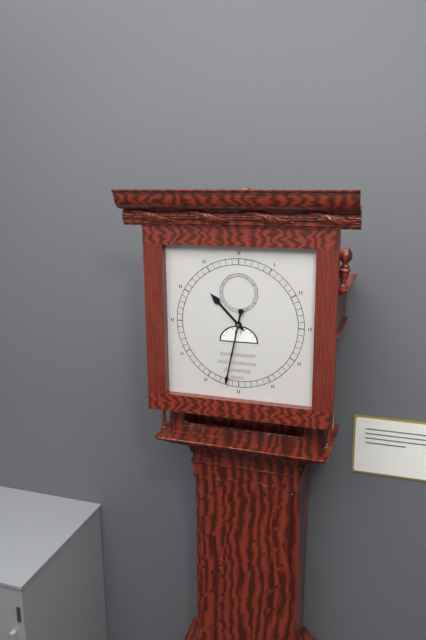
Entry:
10:32
